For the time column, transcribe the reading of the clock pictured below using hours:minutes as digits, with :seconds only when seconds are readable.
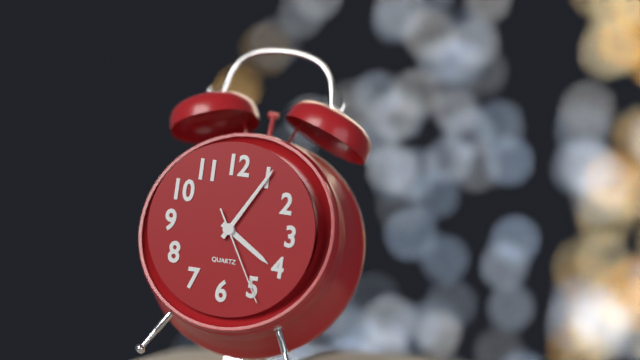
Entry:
4:05:25
